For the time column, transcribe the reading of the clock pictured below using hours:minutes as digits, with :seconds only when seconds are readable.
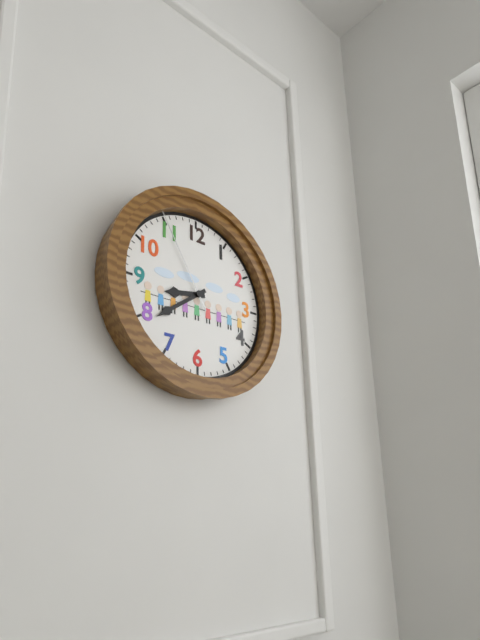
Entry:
8:39:55
